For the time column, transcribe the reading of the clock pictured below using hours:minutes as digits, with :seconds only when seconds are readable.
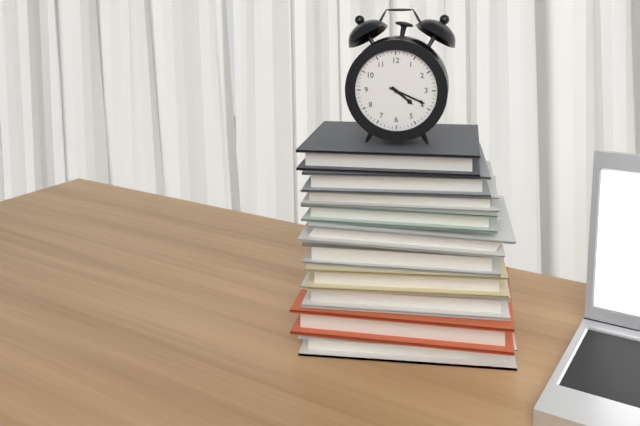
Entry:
4:19
